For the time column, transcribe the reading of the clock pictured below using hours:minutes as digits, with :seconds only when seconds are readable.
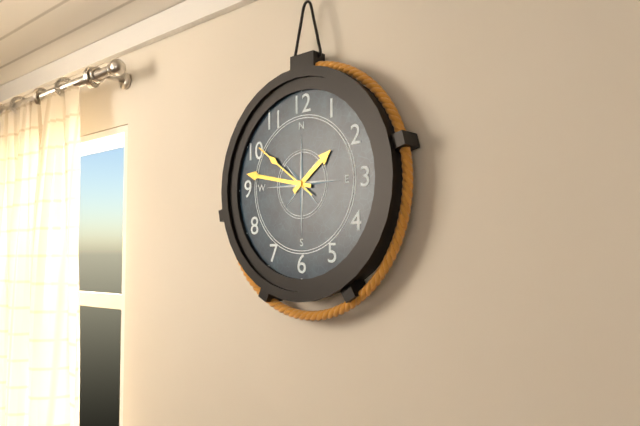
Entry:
1:47:51
